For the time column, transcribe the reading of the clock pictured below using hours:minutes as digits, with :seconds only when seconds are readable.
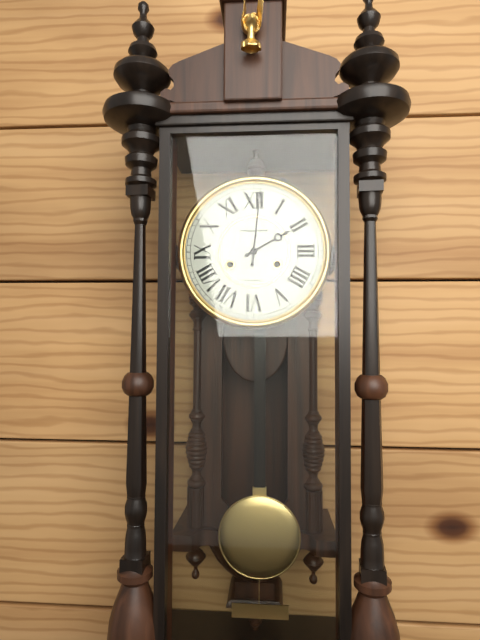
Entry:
2:01
